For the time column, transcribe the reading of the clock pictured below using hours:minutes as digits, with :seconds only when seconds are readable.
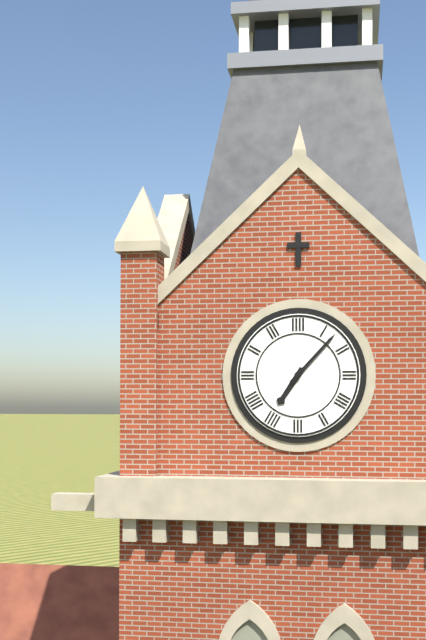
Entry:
7:07
